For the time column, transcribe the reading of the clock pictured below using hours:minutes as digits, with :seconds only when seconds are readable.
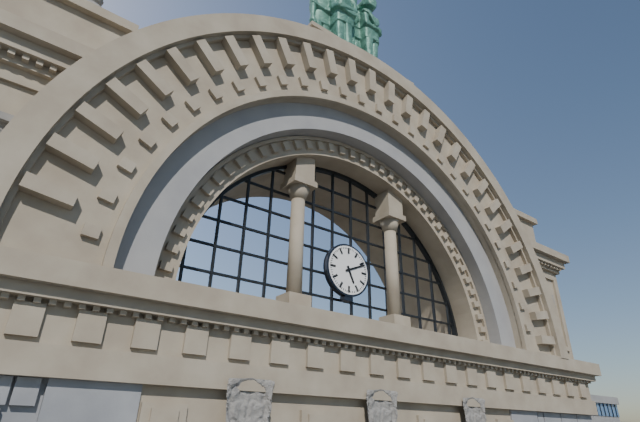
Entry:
5:11
